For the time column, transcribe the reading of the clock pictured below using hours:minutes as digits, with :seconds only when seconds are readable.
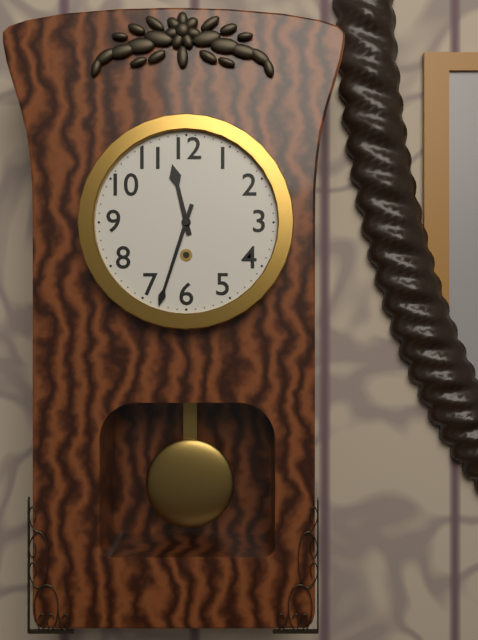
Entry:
11:33
